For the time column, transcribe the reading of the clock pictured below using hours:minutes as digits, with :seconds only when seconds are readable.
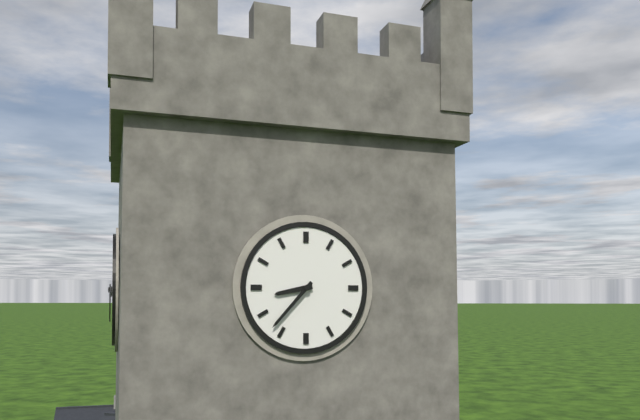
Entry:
8:37
